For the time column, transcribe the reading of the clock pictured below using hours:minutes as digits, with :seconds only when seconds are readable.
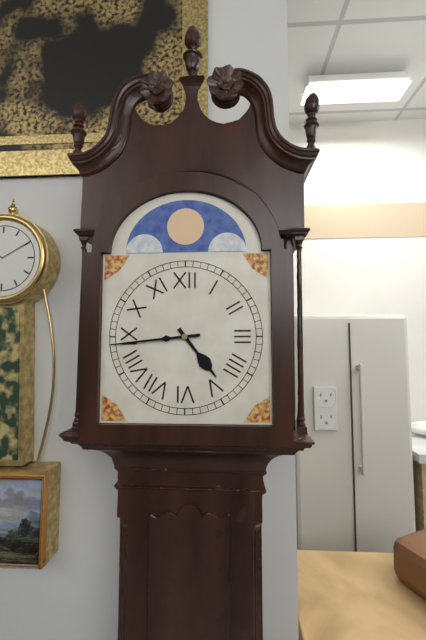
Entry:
4:44
